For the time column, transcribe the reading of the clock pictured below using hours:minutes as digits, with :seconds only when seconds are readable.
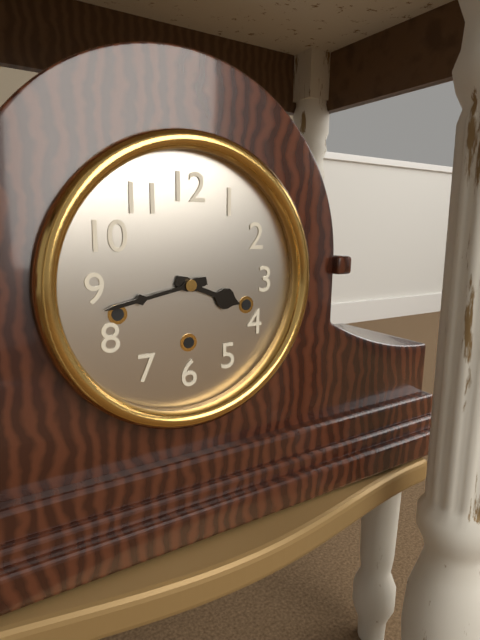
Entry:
3:43
